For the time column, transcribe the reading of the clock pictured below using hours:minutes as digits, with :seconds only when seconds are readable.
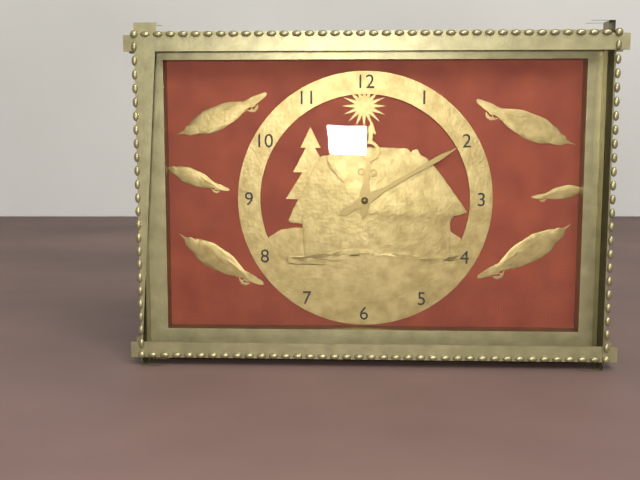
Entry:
12:10
